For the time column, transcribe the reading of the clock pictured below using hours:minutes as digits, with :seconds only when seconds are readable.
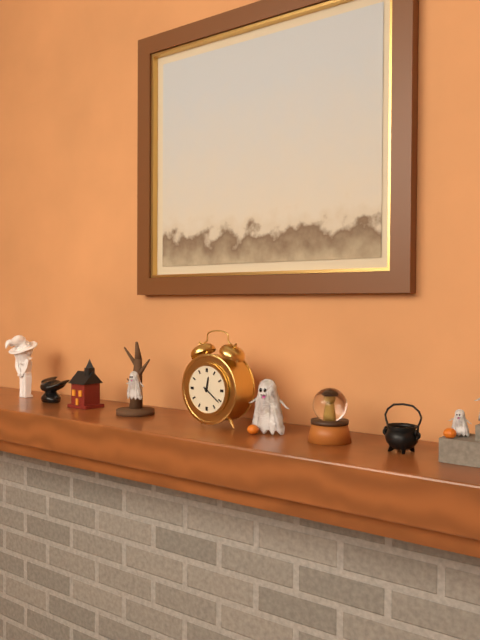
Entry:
12:21
